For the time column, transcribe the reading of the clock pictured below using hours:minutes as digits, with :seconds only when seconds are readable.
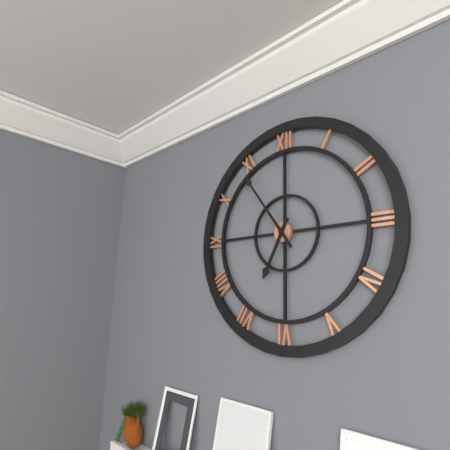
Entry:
6:54
